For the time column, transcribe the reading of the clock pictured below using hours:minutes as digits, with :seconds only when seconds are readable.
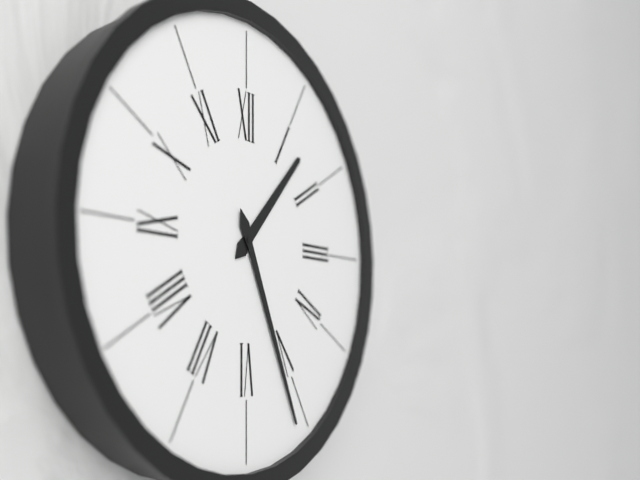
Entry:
1:26
